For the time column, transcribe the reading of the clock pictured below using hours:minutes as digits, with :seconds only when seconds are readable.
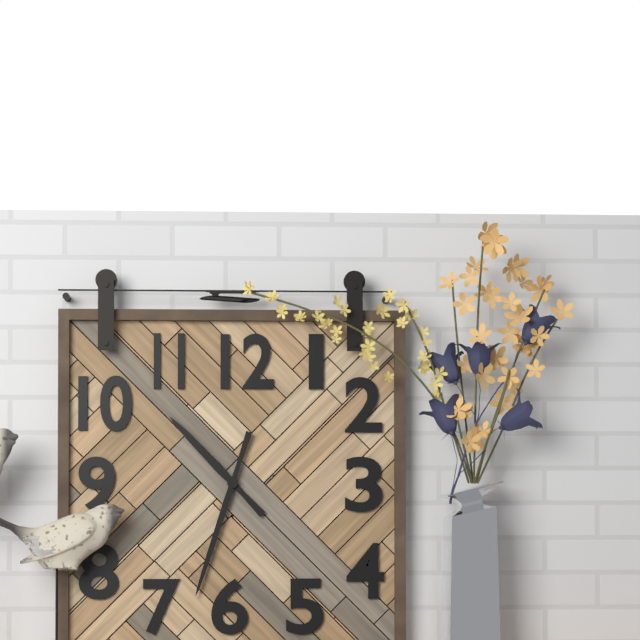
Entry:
10:33
